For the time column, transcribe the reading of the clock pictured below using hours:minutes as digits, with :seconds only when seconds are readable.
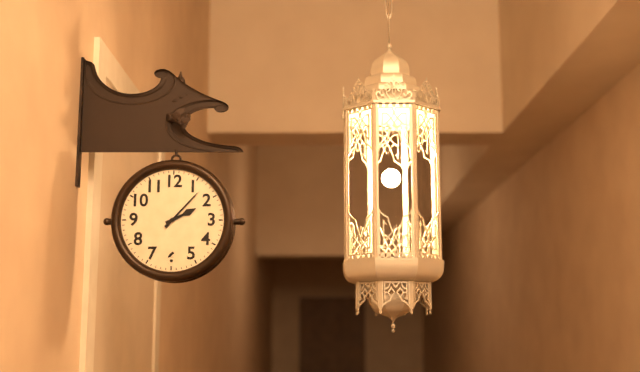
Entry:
2:07
